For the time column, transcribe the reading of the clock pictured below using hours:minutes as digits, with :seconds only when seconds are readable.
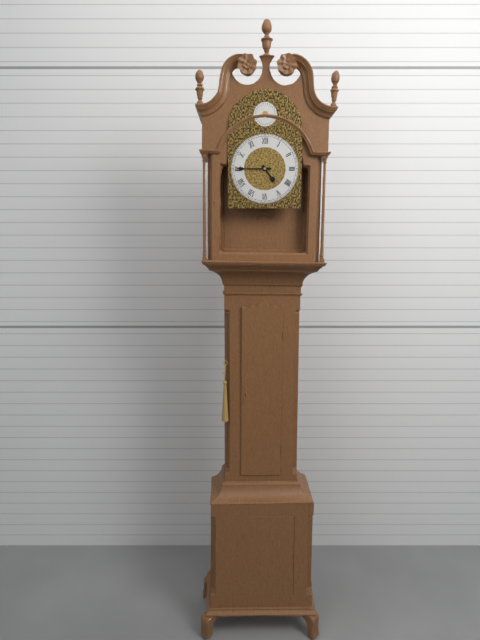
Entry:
4:45
